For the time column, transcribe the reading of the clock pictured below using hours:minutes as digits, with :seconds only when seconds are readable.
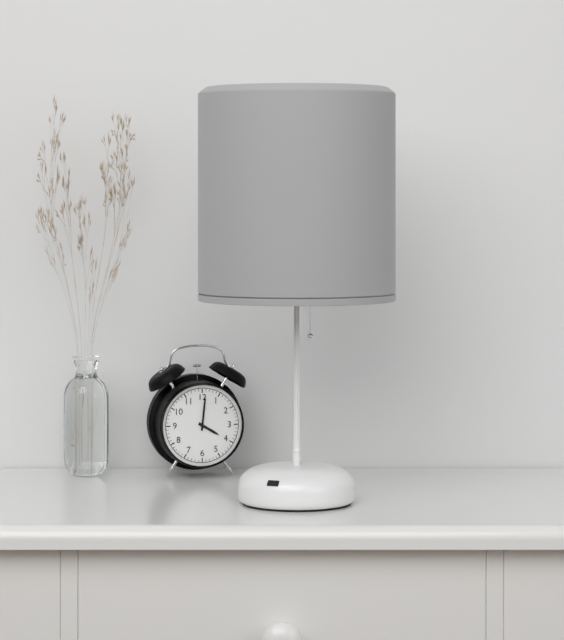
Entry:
4:01
